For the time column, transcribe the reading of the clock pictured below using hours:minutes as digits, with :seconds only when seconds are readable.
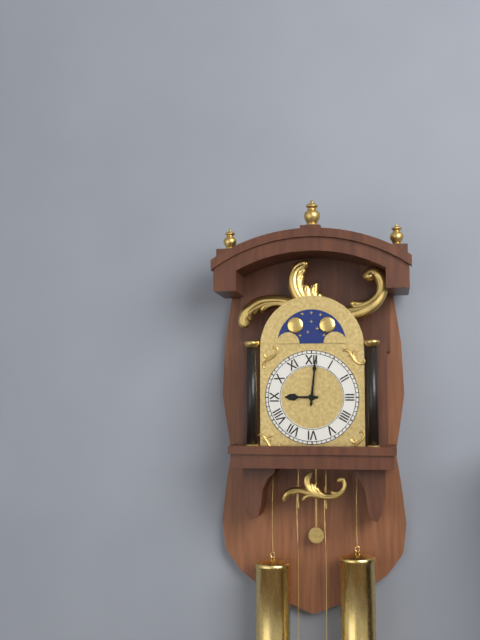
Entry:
9:01
